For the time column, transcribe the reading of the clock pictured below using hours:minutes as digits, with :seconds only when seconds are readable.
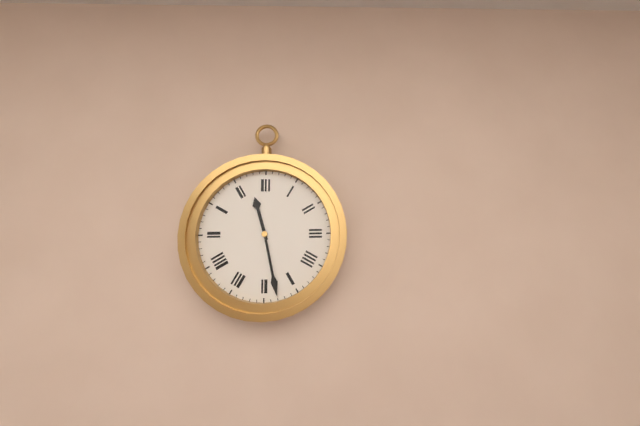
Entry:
11:28
